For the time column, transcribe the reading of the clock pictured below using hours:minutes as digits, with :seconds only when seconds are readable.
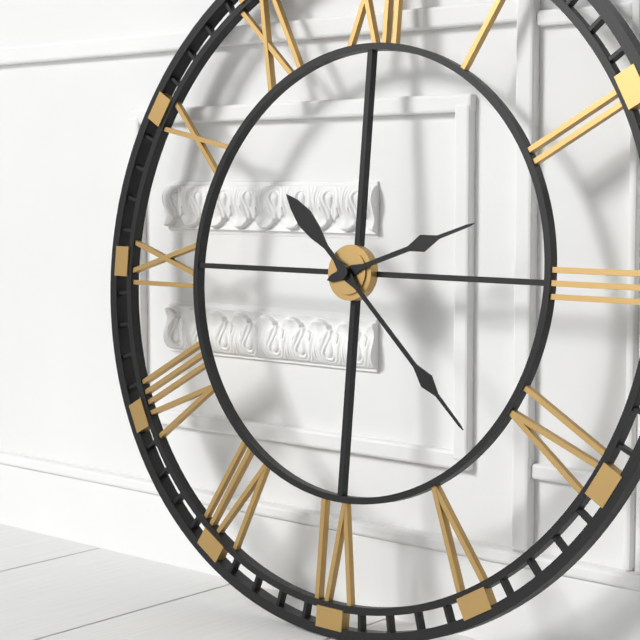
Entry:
2:22
